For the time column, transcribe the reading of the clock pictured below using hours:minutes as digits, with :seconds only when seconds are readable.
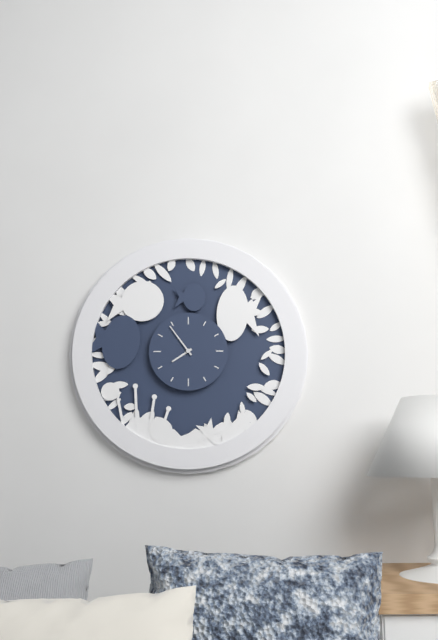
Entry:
7:54
